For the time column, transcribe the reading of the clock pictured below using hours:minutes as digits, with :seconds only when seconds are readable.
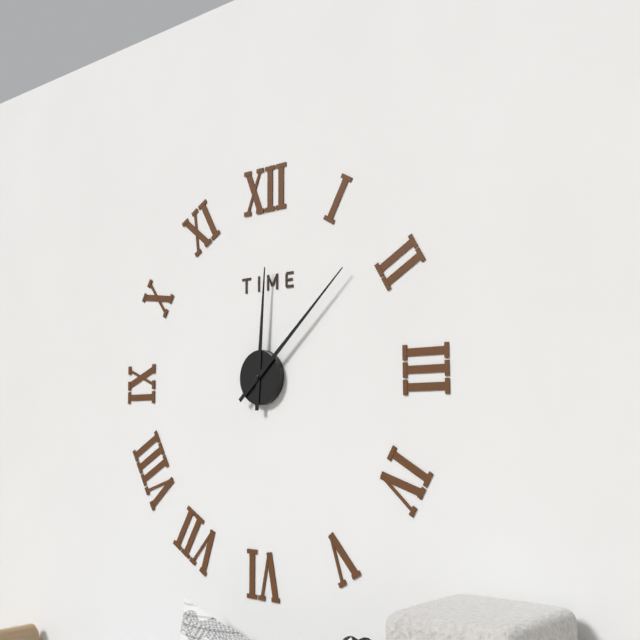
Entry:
12:08
